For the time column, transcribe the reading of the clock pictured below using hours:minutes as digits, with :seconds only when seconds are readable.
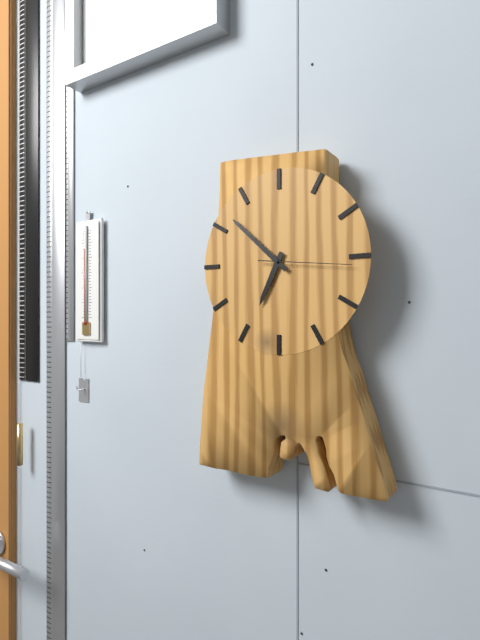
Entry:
6:52:16
